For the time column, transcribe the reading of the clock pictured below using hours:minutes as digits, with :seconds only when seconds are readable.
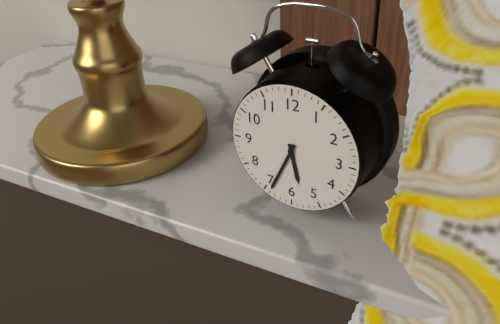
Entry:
5:34
